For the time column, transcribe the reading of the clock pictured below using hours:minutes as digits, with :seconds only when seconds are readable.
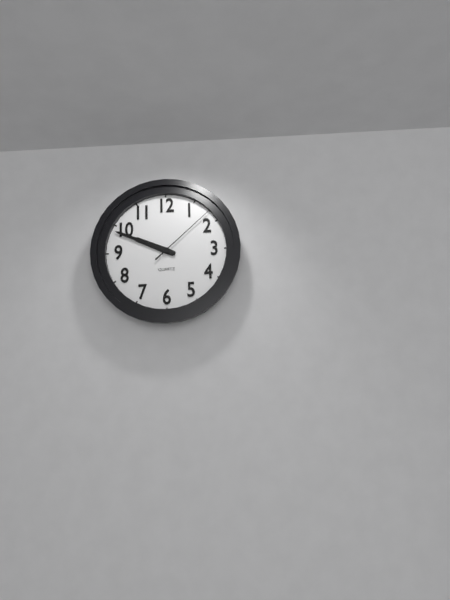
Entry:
9:49:08
